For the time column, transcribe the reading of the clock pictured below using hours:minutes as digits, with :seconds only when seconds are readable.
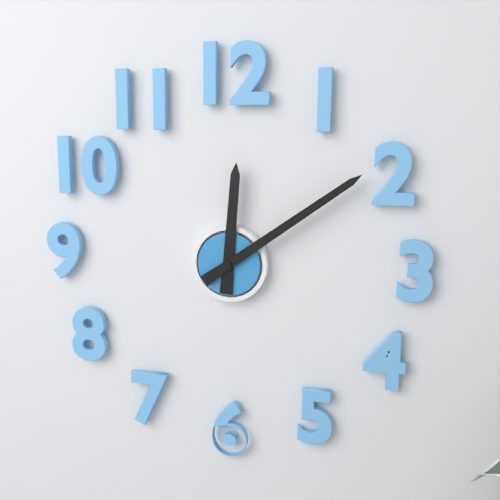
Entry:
12:09
